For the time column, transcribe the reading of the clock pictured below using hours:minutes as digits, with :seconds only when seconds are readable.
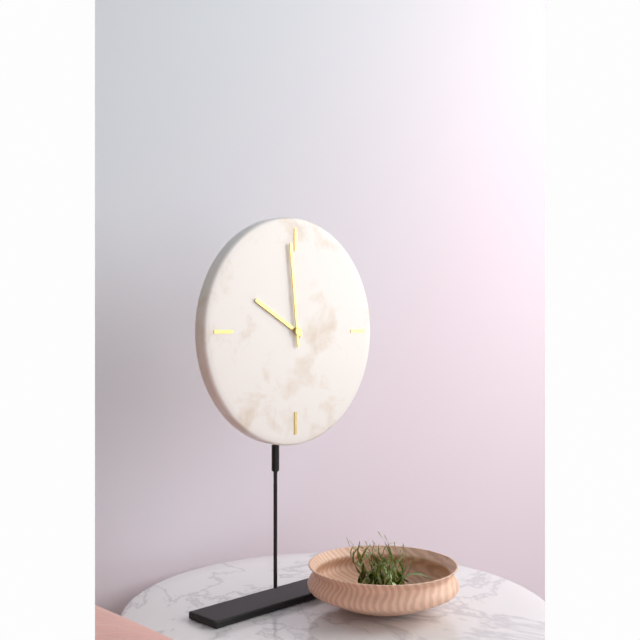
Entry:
9:59
